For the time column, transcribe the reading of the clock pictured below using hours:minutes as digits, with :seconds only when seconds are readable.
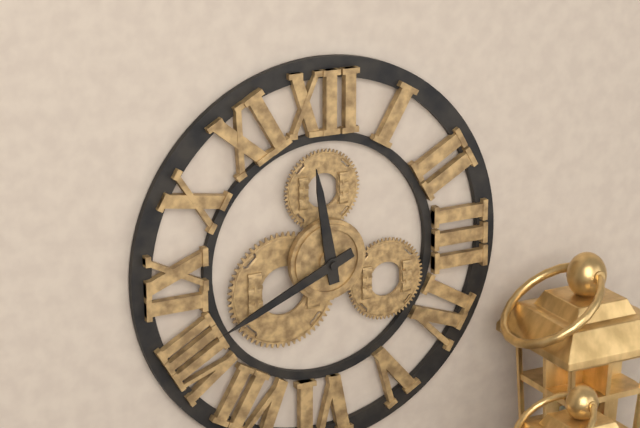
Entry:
11:41
